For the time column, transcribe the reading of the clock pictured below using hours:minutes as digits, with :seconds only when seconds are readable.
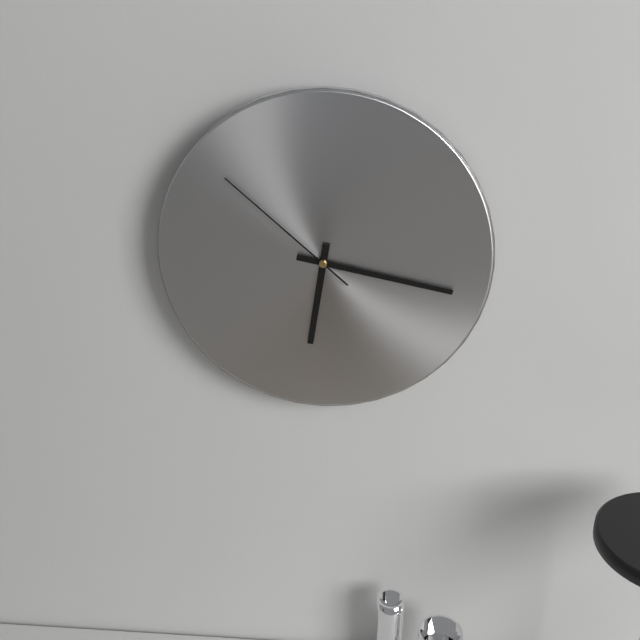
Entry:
6:17:52
